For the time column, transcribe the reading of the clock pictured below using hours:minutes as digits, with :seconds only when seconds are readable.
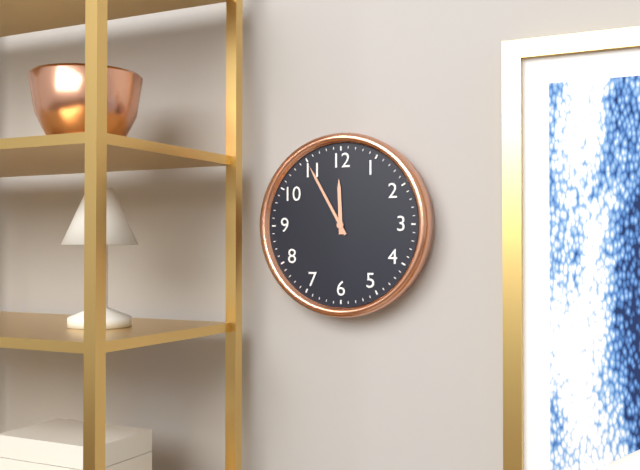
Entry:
11:55
